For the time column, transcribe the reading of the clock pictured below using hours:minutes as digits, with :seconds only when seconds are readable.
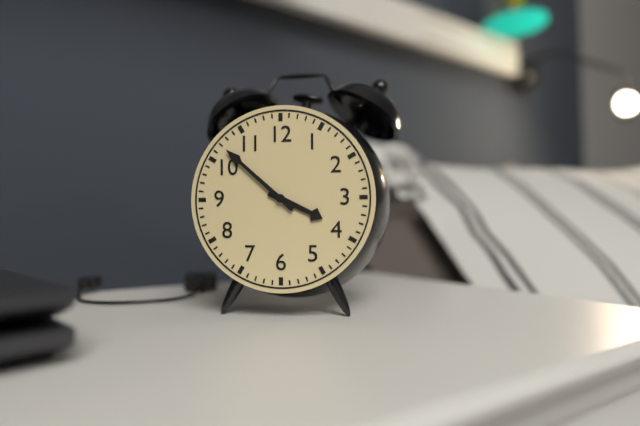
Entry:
3:52
